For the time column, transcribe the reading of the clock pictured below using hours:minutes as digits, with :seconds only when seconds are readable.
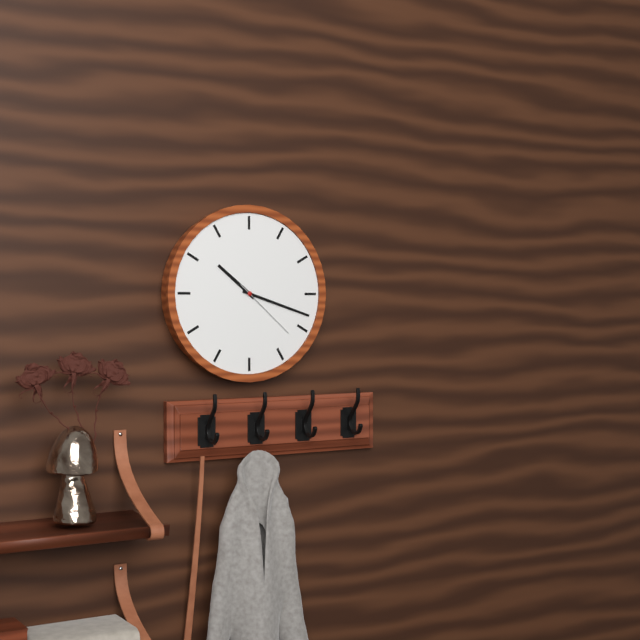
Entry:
10:18:22
